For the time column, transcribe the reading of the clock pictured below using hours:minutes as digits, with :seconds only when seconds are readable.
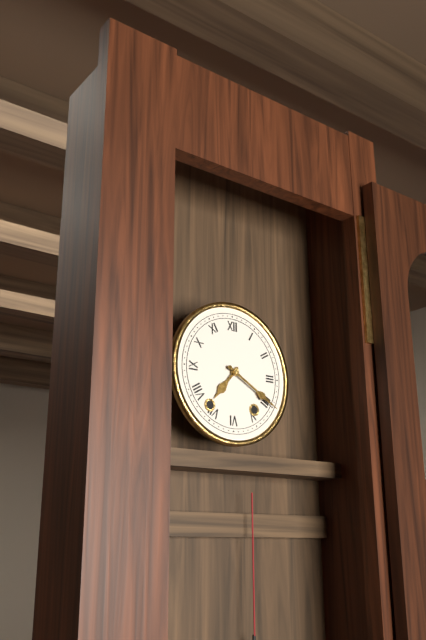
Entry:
7:20
